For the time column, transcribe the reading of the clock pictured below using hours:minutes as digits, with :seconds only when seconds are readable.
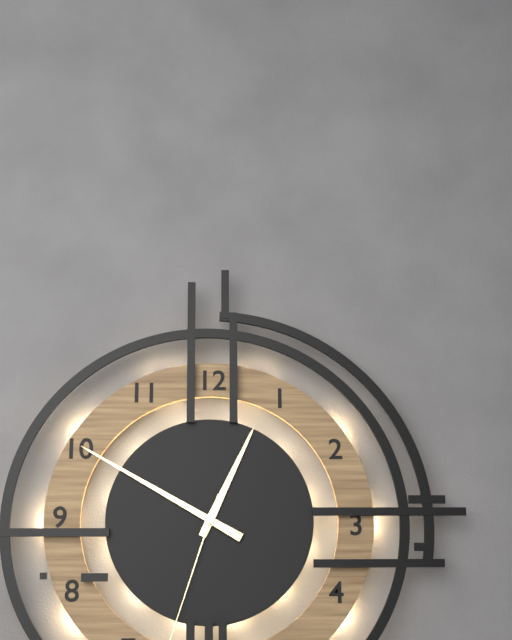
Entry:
12:50
